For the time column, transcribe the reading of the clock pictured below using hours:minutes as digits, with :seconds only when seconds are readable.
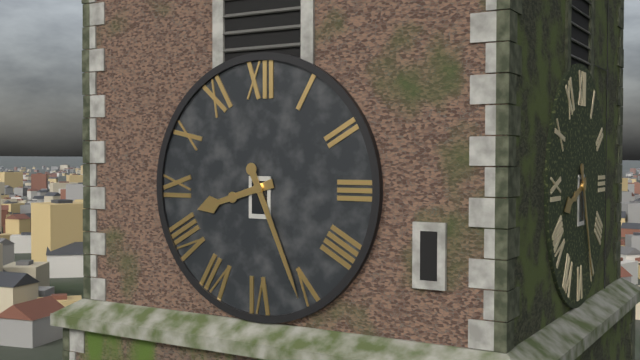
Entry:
8:26
